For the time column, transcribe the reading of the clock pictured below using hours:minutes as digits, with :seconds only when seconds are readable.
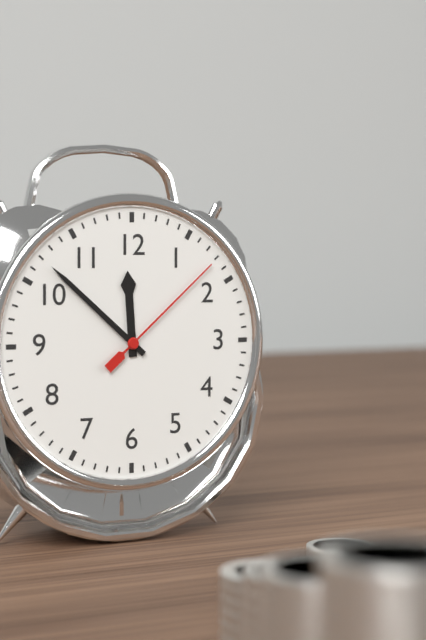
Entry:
11:52:08
